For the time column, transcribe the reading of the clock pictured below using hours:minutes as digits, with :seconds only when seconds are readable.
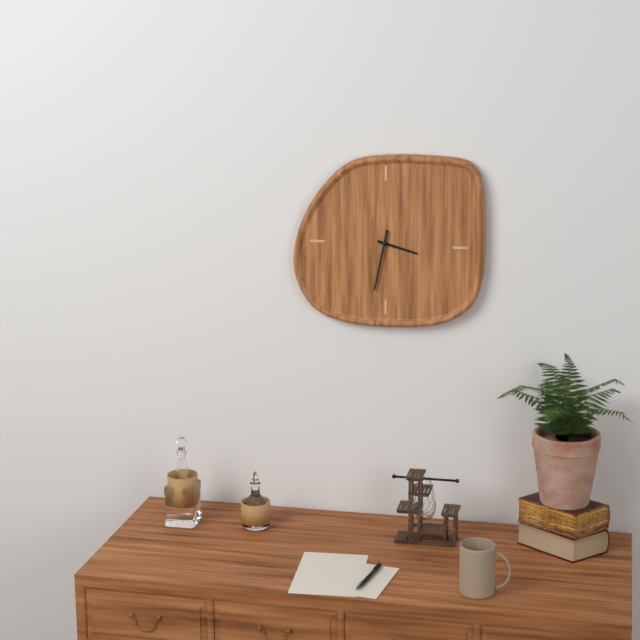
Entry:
3:32
